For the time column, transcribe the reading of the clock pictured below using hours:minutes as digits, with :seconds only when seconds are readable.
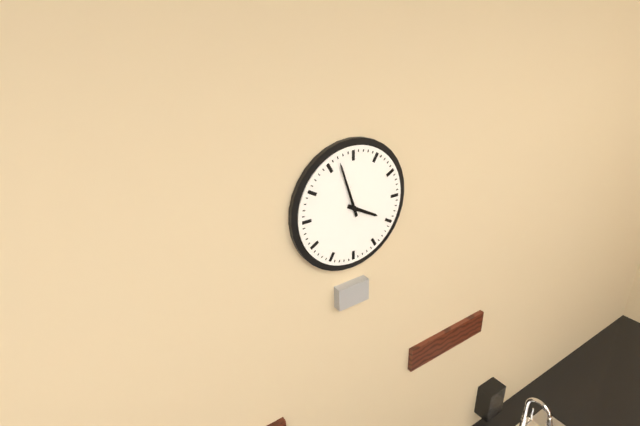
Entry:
3:57
